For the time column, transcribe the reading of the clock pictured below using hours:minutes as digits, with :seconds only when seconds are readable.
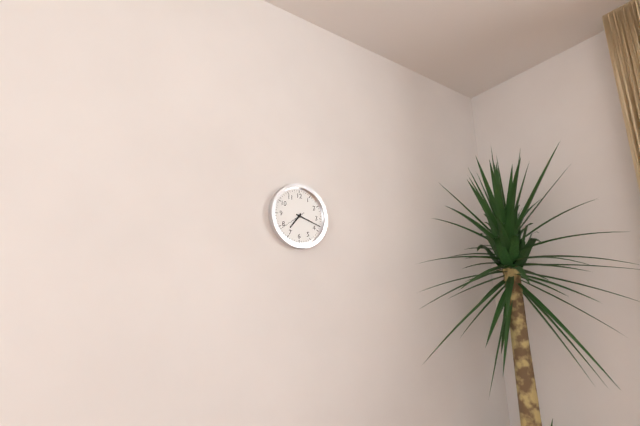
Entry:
7:18
